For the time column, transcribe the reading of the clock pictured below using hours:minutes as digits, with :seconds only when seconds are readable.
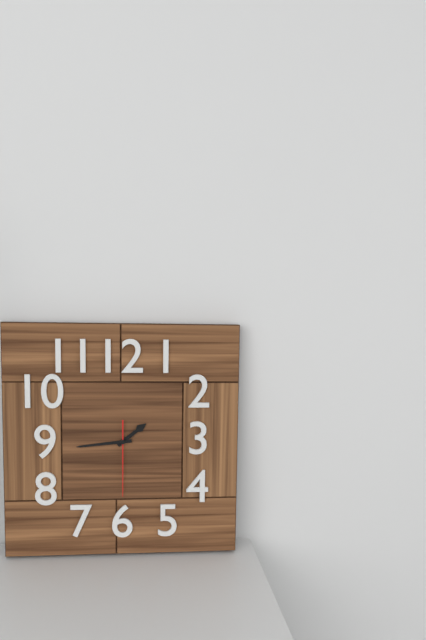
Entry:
1:44:30
